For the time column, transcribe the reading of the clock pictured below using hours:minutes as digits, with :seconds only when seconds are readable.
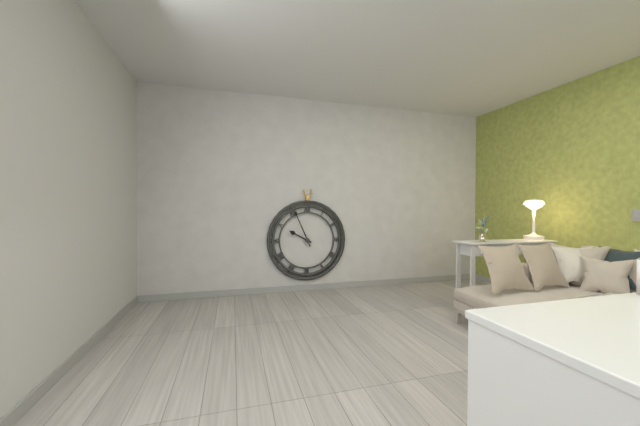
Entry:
9:56
